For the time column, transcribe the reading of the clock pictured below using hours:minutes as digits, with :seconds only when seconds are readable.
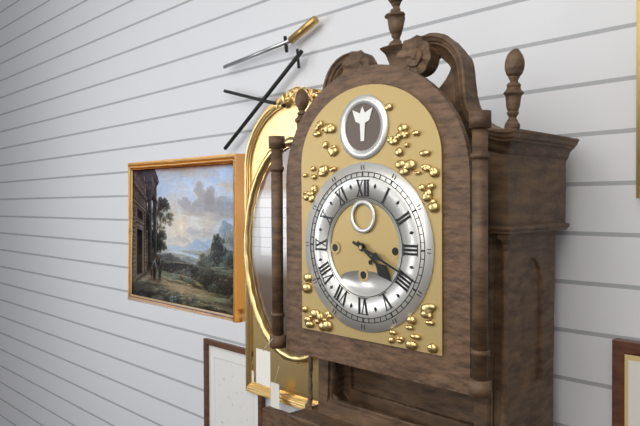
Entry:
4:19
